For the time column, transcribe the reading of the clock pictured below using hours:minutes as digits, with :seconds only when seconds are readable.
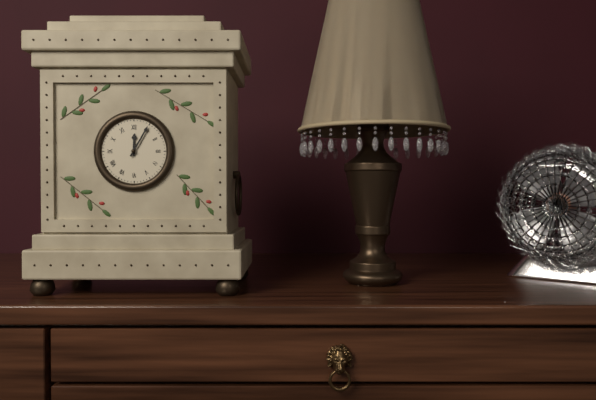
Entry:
12:05
